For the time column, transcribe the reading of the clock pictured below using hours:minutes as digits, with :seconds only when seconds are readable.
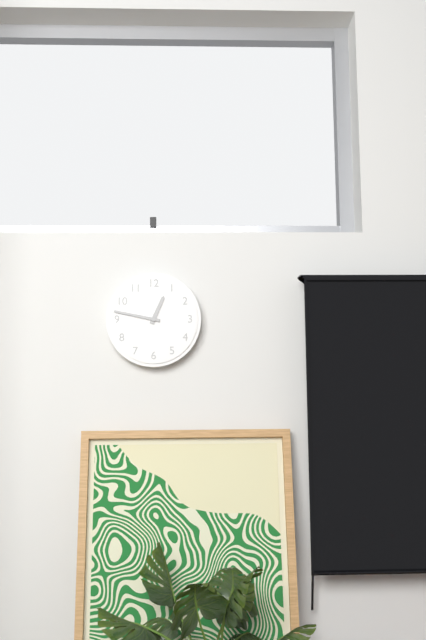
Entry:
12:47
